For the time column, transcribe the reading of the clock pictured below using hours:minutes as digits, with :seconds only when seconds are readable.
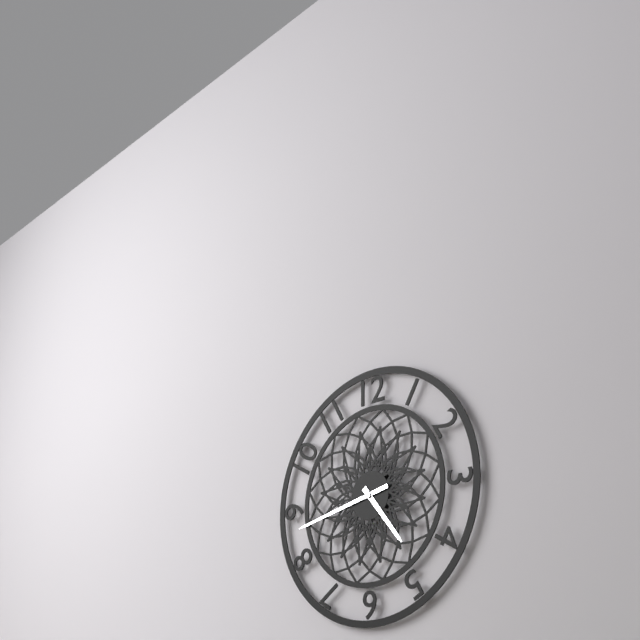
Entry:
4:43
